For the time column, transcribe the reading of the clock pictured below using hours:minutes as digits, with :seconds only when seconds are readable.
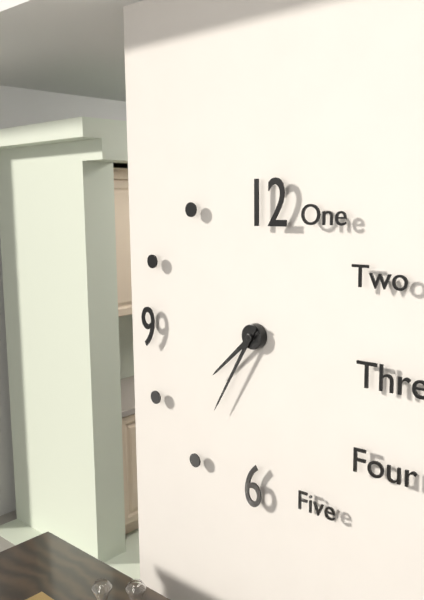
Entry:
7:35
